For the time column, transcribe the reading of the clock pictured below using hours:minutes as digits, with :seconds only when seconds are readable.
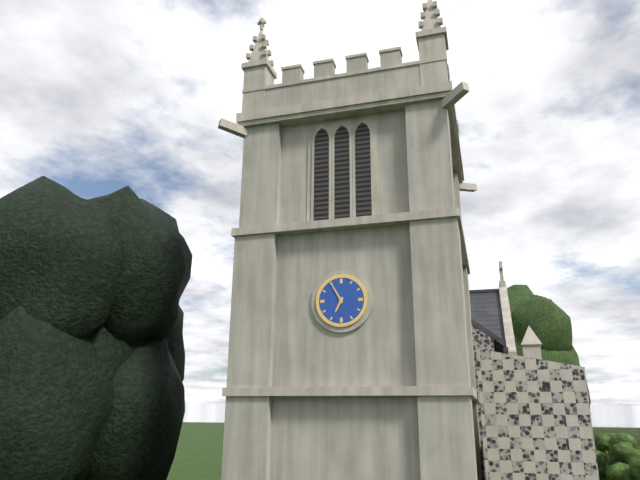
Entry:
6:55
